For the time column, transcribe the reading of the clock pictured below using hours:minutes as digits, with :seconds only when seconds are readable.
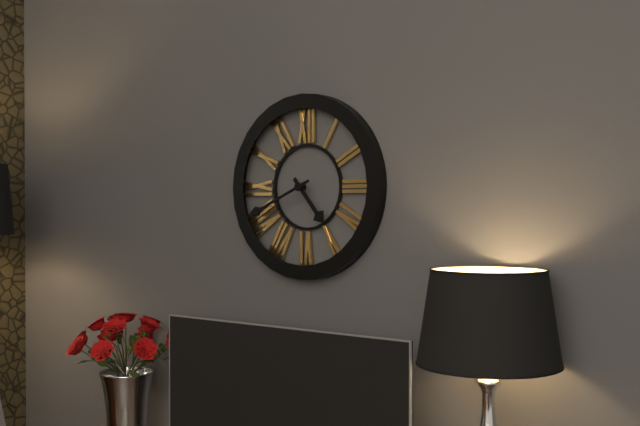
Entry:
4:41
